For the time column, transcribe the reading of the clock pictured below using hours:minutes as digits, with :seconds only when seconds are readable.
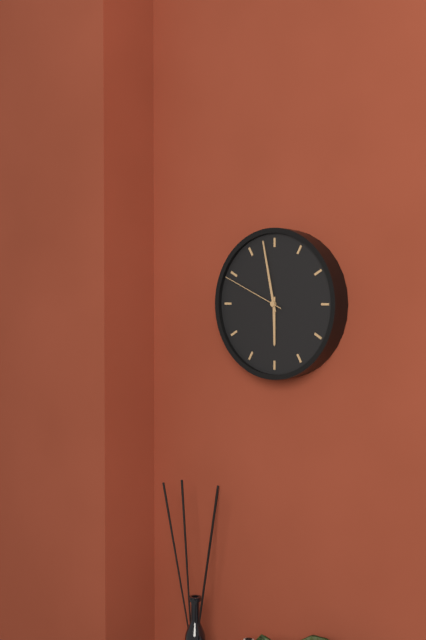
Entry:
5:58:49
